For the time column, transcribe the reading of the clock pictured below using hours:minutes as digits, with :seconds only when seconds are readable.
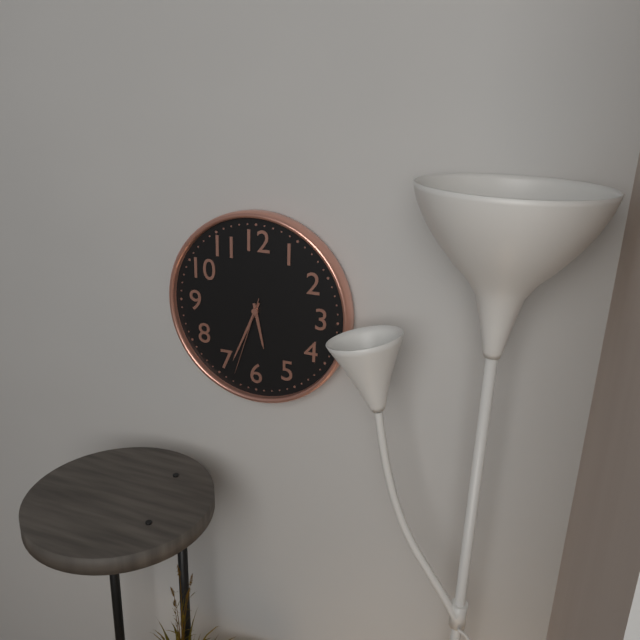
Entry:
5:34:33
